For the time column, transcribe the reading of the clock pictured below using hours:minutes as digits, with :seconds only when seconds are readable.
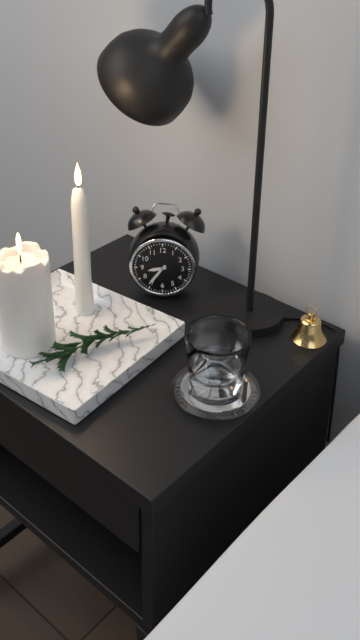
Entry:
8:36
